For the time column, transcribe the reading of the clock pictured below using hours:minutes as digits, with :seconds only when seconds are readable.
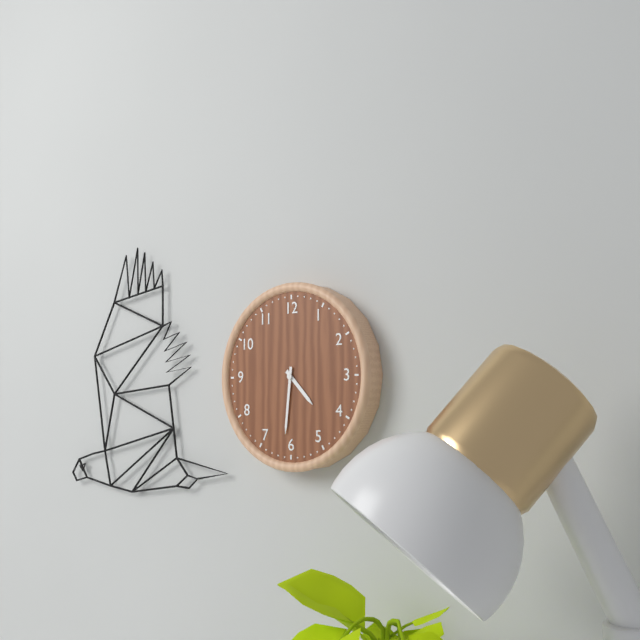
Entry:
4:31
